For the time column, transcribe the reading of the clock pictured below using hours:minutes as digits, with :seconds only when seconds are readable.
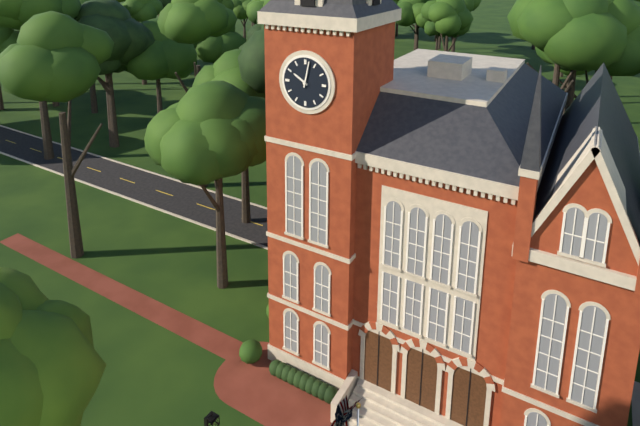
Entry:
10:02
